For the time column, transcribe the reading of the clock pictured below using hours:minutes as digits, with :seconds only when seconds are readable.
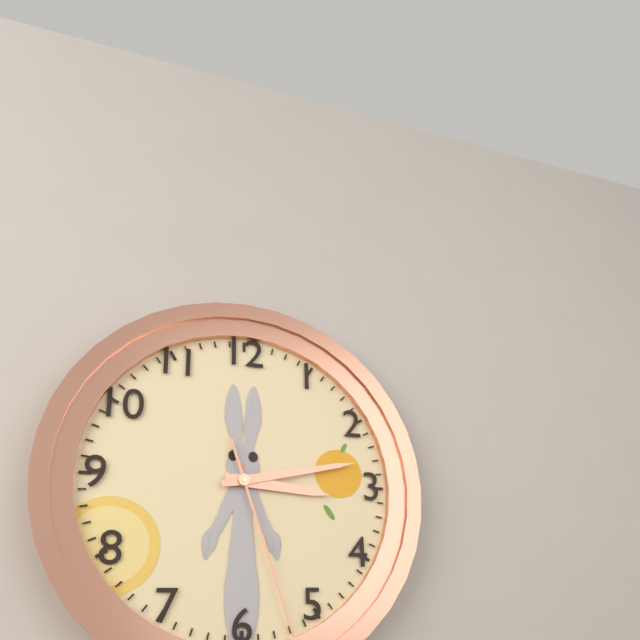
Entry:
3:13
